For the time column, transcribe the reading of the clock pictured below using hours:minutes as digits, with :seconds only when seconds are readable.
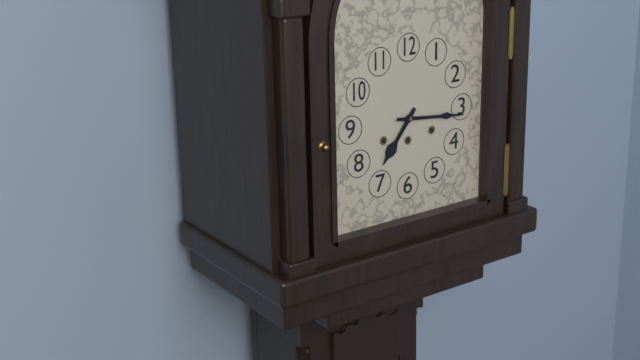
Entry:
7:16
